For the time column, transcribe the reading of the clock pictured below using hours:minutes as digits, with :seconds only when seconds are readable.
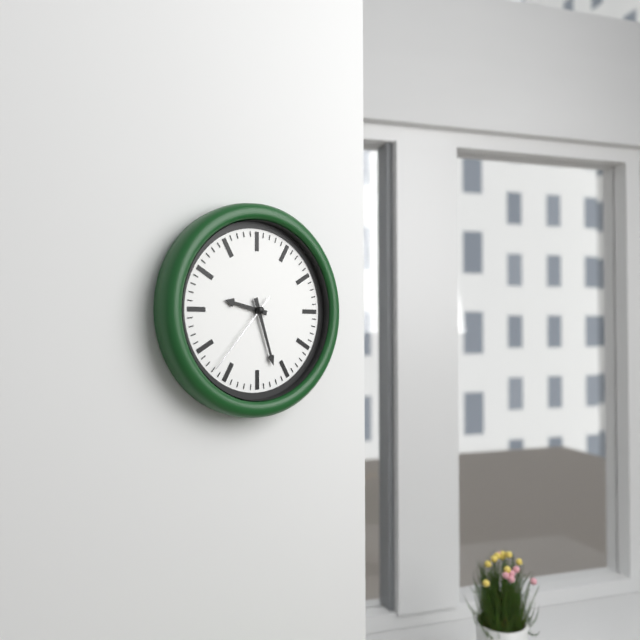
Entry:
9:27:37
